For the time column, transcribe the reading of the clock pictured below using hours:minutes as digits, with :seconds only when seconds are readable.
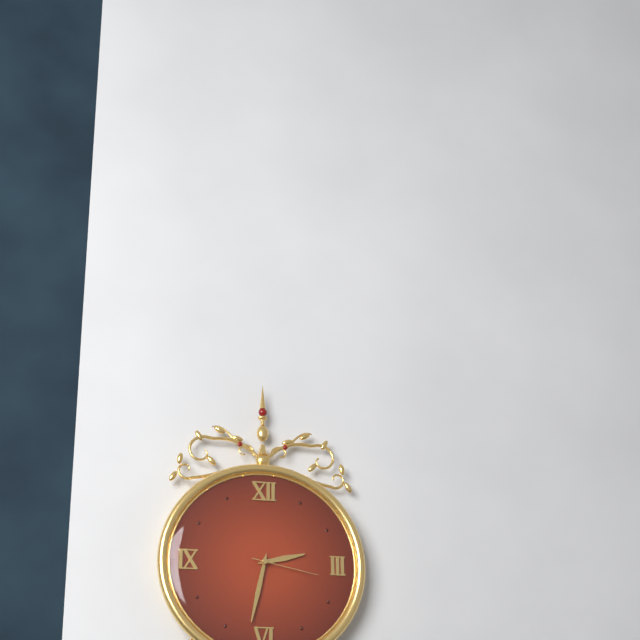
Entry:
2:32:17
